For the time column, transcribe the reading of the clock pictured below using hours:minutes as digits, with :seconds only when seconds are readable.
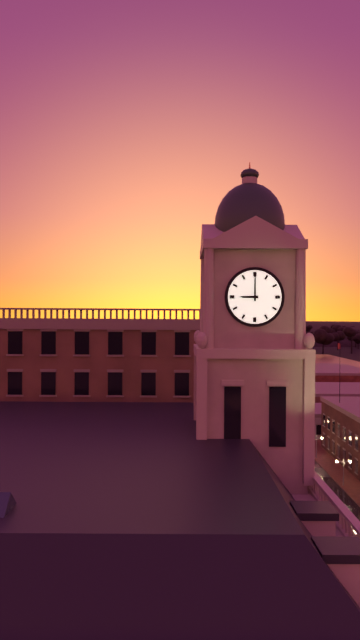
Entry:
9:00
